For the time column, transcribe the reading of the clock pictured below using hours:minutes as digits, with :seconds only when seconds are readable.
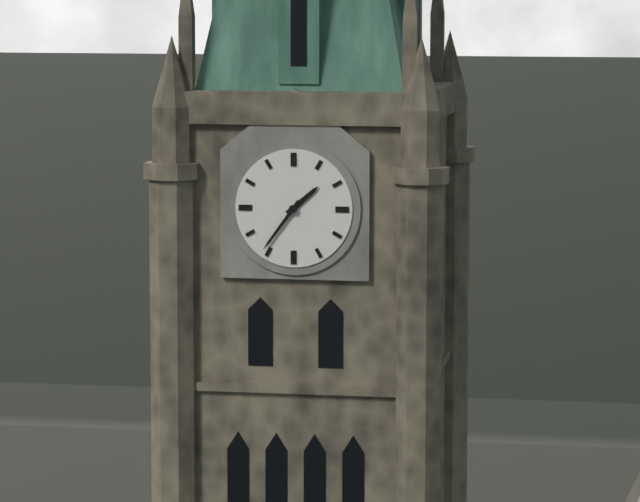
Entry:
1:36
